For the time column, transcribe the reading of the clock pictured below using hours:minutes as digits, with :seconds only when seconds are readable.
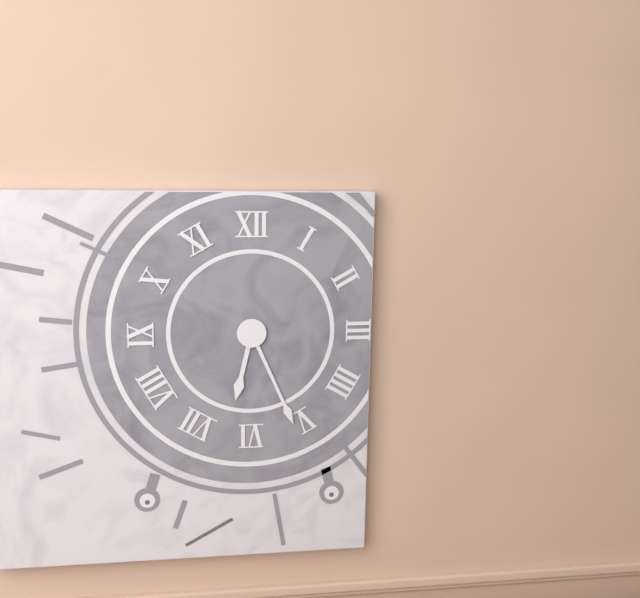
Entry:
6:26
